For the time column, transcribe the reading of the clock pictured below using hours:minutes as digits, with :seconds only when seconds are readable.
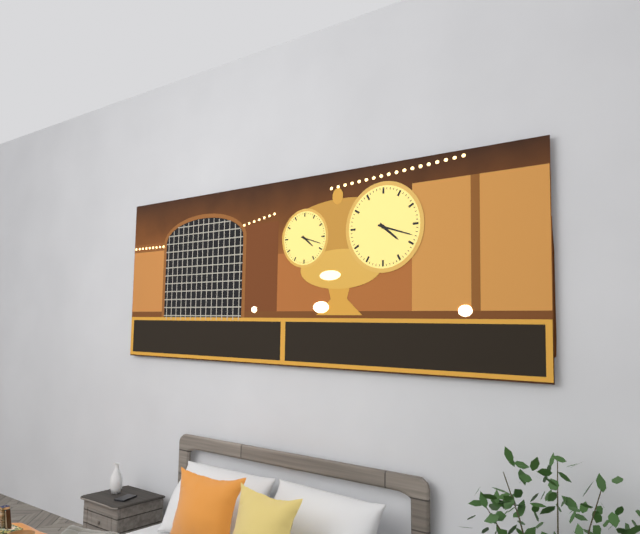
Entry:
4:18
